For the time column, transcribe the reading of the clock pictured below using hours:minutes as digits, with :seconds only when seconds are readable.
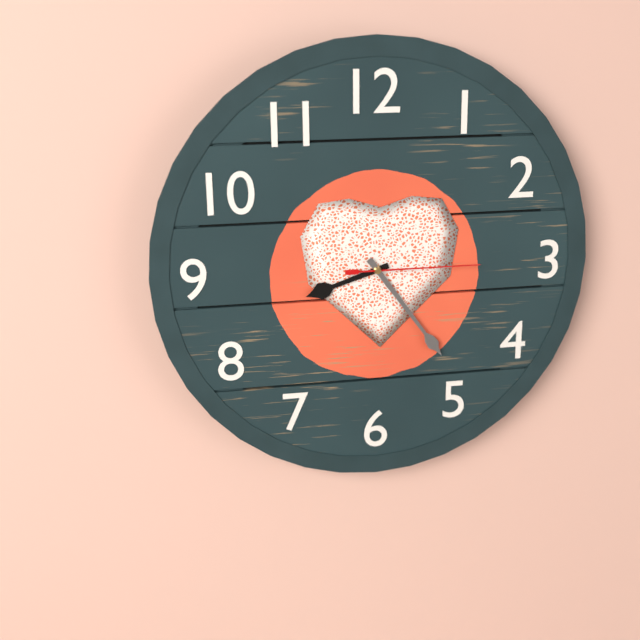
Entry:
8:24:15
